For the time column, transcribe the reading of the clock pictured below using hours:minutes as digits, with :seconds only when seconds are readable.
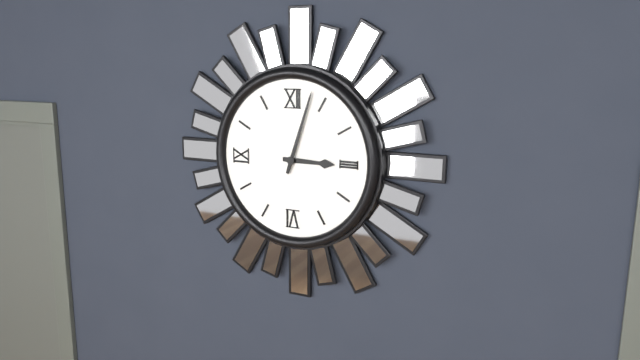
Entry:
3:03
